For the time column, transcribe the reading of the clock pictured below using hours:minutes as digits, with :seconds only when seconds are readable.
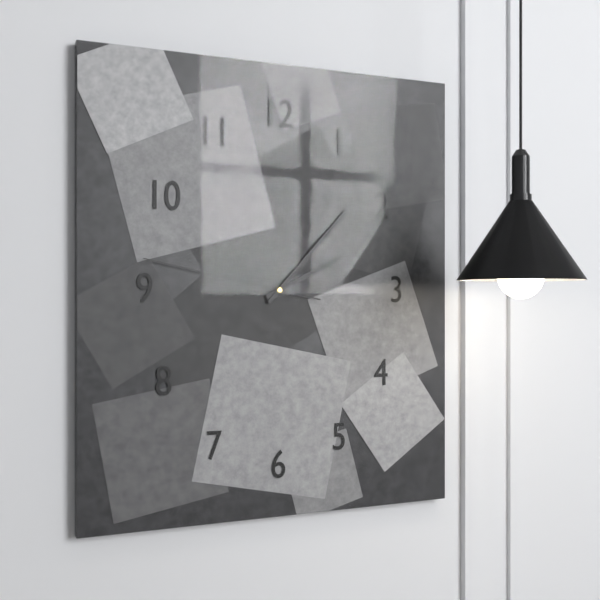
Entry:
2:07:47
